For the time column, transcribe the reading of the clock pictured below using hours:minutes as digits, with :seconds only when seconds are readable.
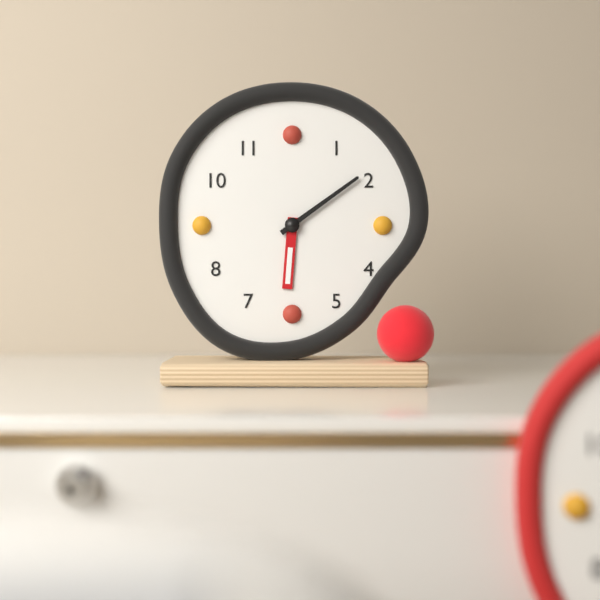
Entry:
6:09
